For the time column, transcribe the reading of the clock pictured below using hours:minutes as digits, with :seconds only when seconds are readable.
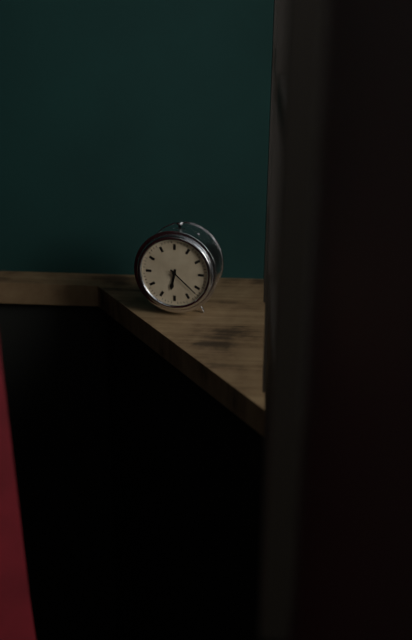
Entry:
6:22
